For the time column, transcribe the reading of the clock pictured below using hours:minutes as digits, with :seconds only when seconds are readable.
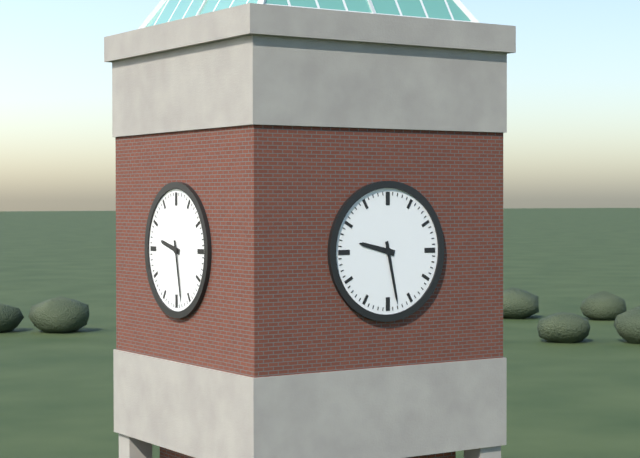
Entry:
9:28
